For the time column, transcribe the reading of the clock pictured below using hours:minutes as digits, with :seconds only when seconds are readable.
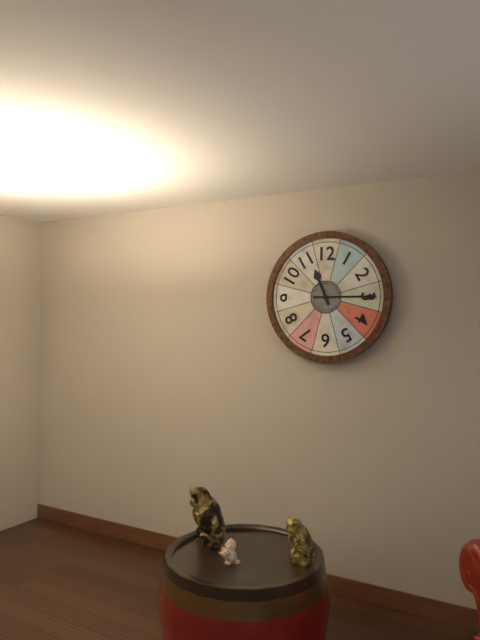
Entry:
11:15
